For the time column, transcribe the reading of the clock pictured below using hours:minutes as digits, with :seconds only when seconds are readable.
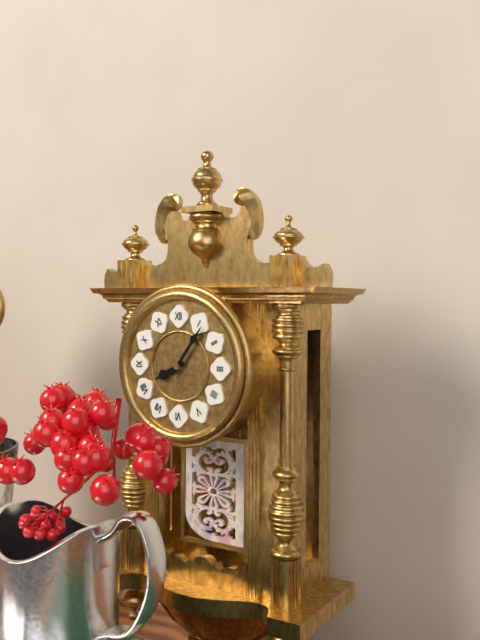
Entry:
8:06
